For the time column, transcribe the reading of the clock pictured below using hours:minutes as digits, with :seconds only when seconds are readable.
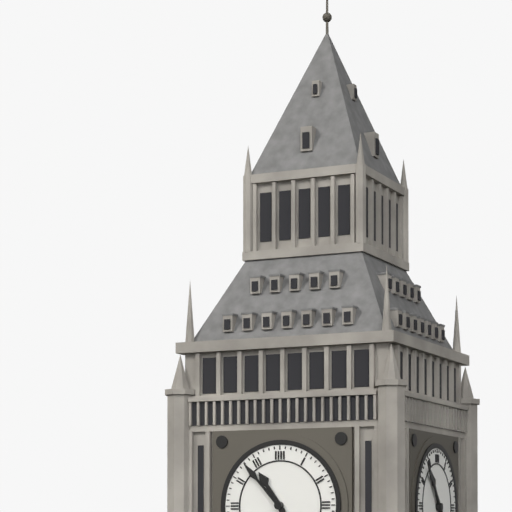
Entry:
10:53
